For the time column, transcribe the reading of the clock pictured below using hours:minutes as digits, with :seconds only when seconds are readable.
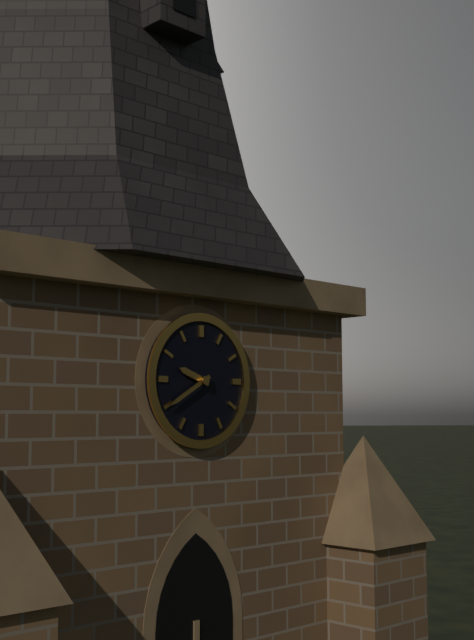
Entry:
9:40
